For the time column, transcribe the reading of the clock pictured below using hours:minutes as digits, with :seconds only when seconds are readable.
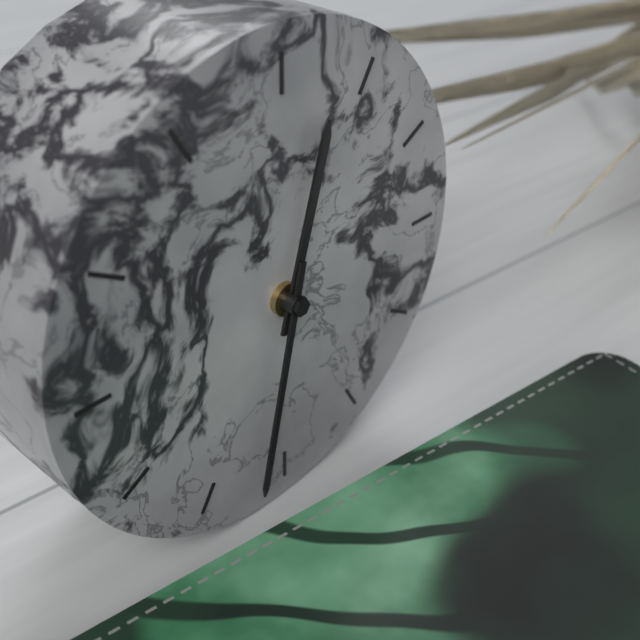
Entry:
12:32
